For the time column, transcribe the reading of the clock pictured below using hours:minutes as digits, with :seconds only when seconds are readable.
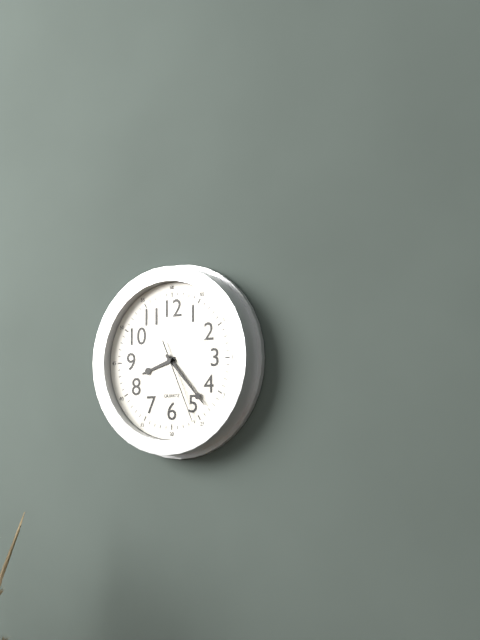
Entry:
8:23:26
